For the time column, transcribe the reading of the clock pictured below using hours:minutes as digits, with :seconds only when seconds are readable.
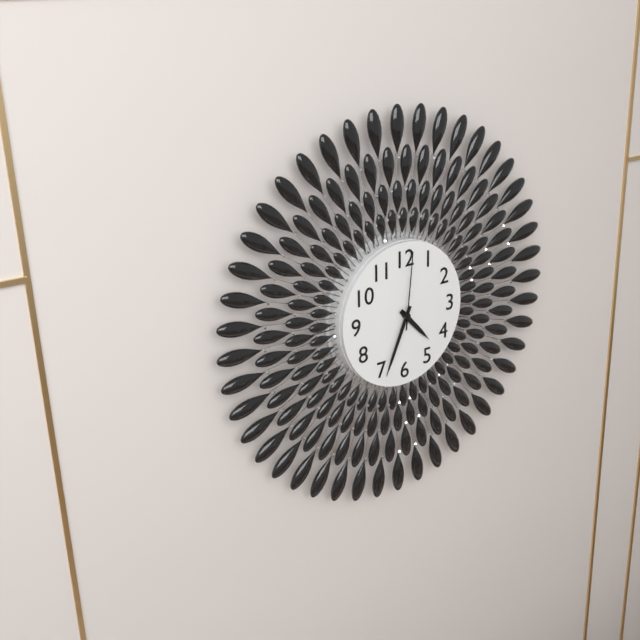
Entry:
4:34:01
